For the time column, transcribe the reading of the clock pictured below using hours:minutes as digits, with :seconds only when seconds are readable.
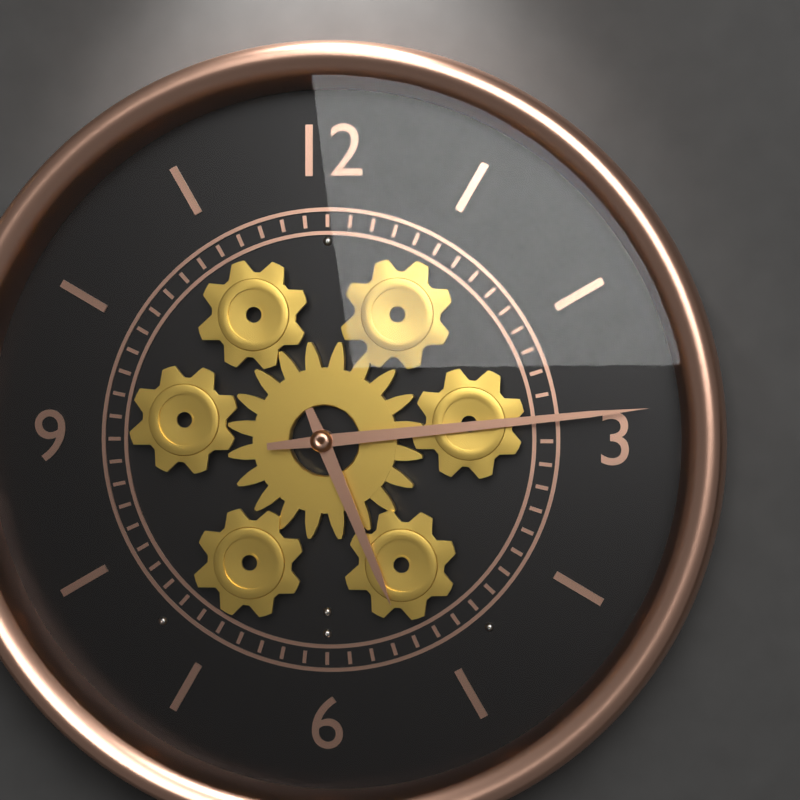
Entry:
5:14
